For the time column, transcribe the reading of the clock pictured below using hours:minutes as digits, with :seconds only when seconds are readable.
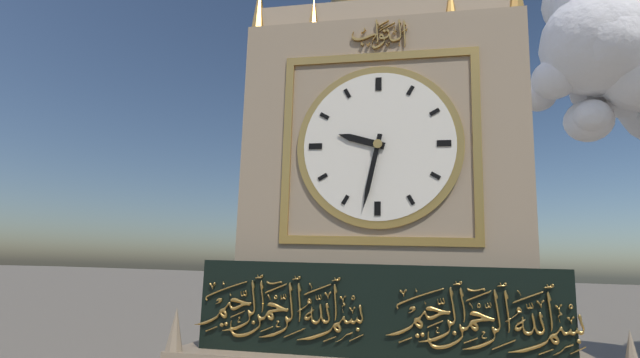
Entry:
9:32
